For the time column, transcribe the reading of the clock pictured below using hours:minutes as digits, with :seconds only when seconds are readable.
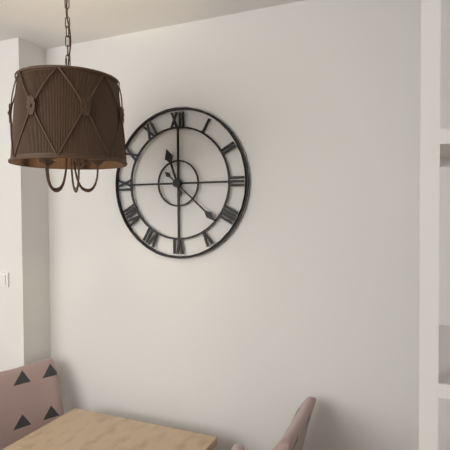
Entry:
11:22
